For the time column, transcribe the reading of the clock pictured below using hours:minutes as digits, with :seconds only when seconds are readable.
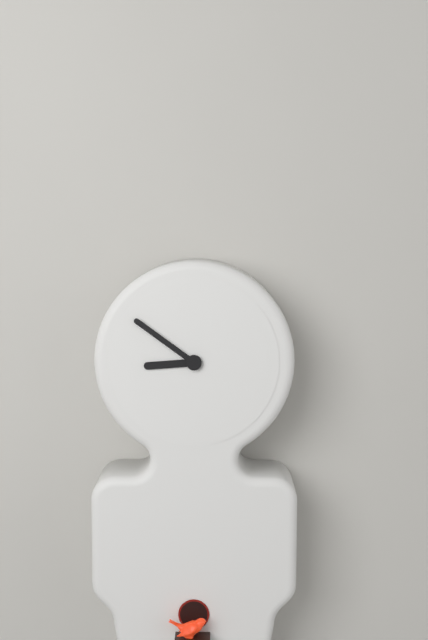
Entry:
8:51
